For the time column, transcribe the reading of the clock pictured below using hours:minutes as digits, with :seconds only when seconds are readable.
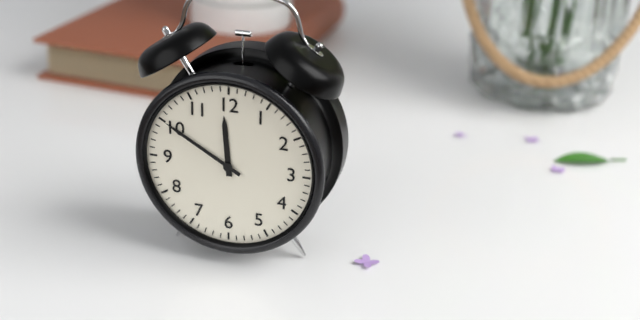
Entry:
11:50
